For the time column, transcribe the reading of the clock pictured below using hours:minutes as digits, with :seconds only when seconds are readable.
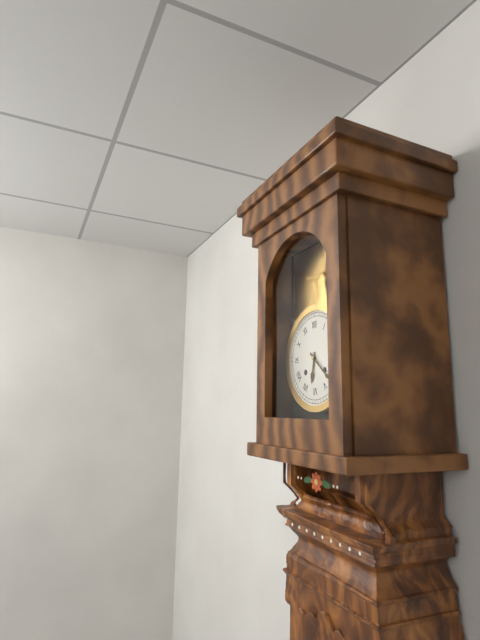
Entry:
6:22
